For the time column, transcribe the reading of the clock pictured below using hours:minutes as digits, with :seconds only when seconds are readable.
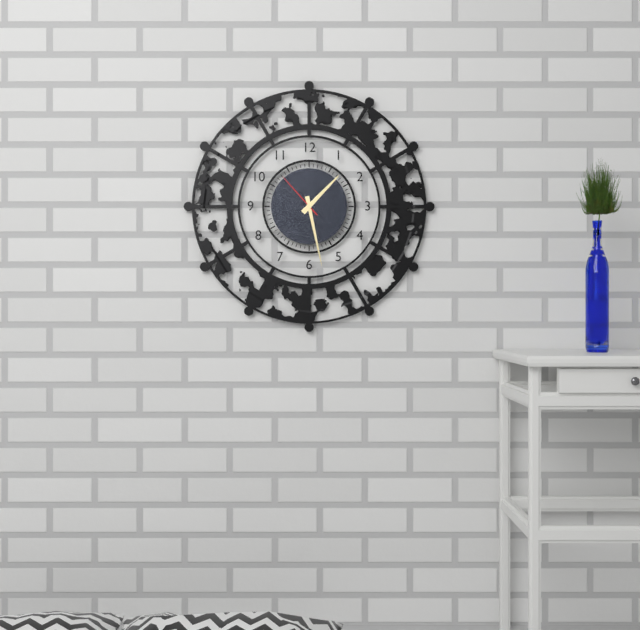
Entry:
1:28:53
